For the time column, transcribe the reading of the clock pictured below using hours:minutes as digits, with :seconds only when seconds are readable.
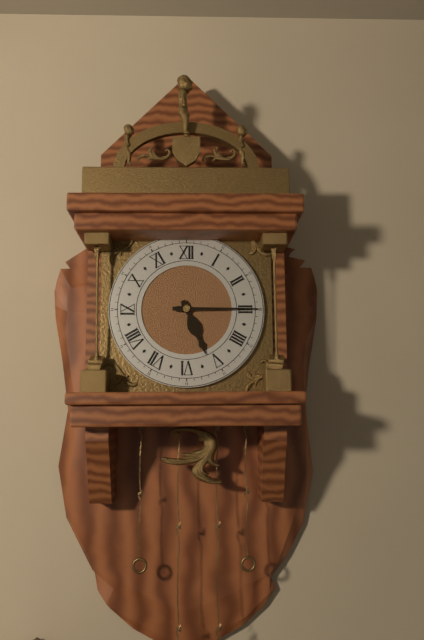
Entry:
5:15
